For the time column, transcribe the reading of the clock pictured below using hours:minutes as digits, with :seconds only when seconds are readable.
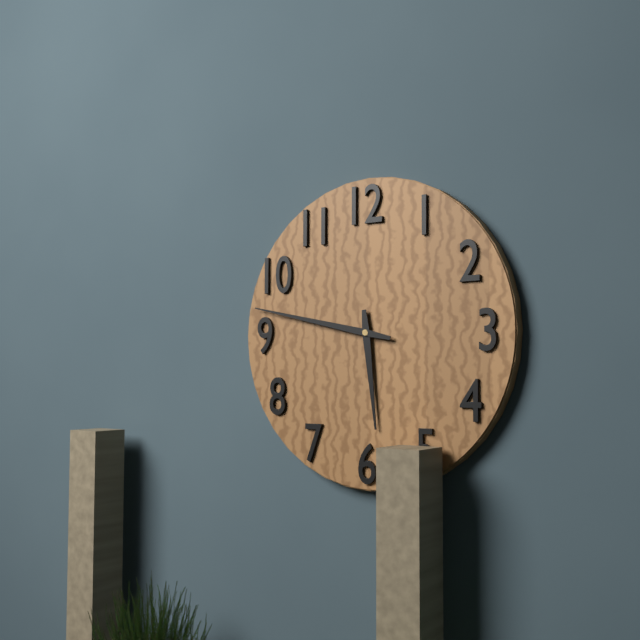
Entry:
5:47
